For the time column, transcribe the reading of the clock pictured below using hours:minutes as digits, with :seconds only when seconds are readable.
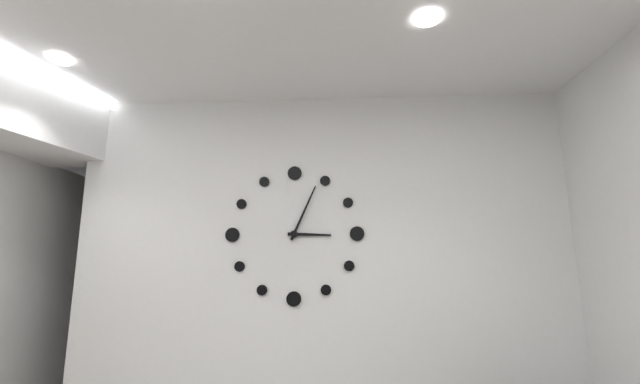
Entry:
3:04
